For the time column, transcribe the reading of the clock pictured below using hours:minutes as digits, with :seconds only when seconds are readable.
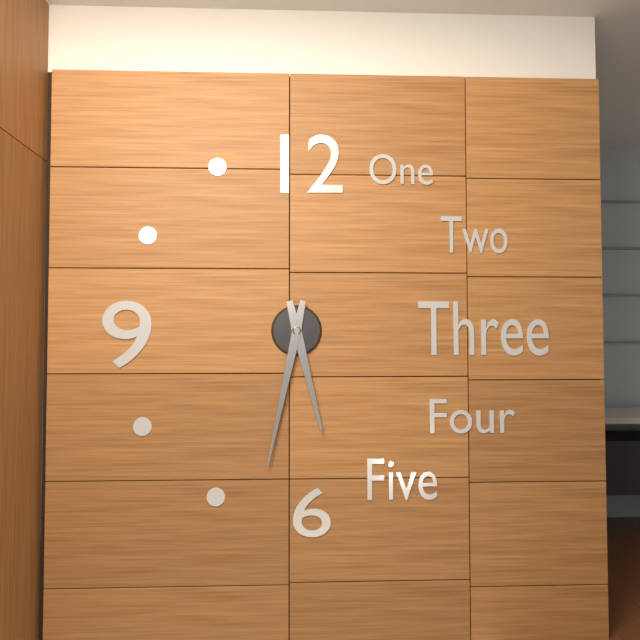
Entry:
5:32
